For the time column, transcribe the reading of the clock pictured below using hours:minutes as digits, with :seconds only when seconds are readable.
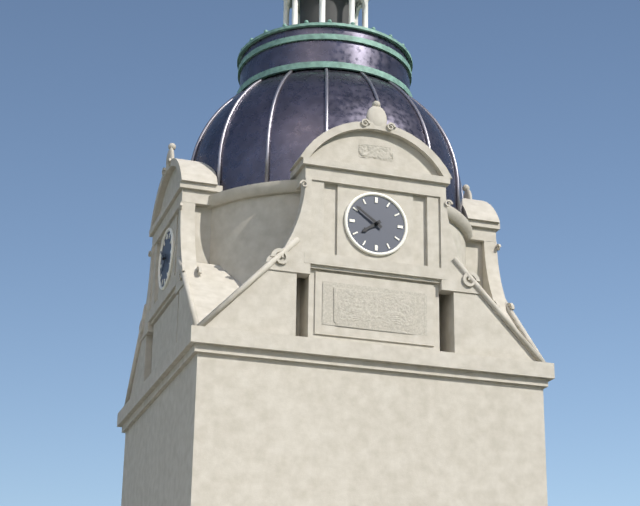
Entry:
7:51
